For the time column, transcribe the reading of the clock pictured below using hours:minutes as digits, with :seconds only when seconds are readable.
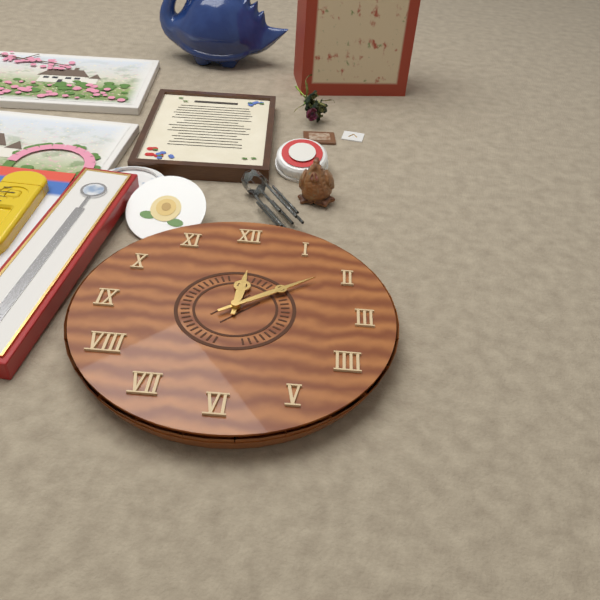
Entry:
12:09
